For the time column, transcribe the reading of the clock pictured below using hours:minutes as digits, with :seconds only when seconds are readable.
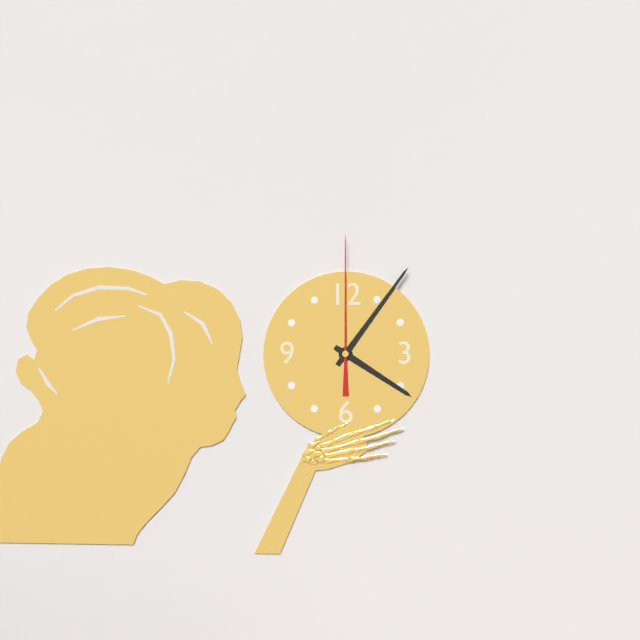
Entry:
4:06:00
